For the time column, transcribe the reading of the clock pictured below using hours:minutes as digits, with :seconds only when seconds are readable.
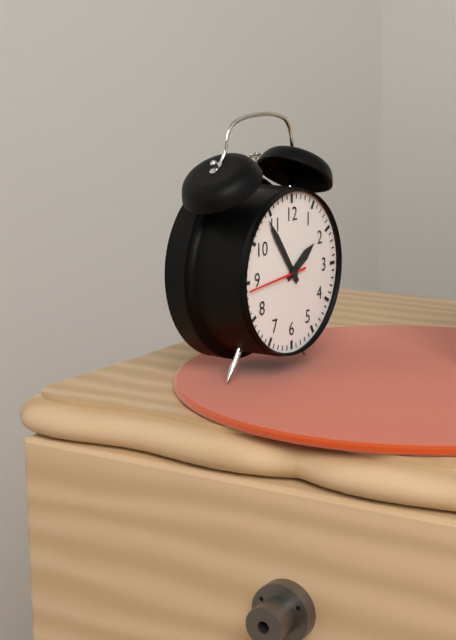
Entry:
1:54:44
